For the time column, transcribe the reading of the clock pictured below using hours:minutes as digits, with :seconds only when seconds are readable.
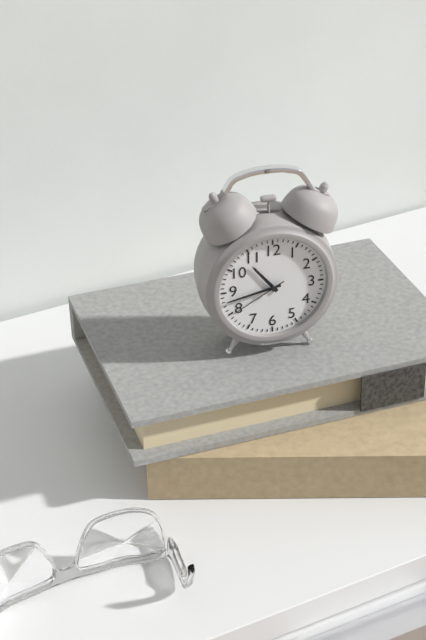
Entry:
10:43:40
